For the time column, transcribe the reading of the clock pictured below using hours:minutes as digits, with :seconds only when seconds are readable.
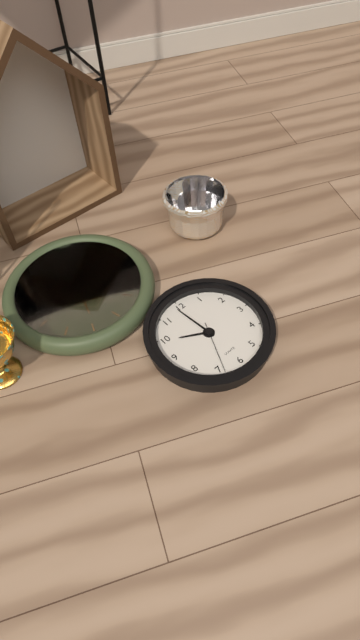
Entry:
9:59:34
